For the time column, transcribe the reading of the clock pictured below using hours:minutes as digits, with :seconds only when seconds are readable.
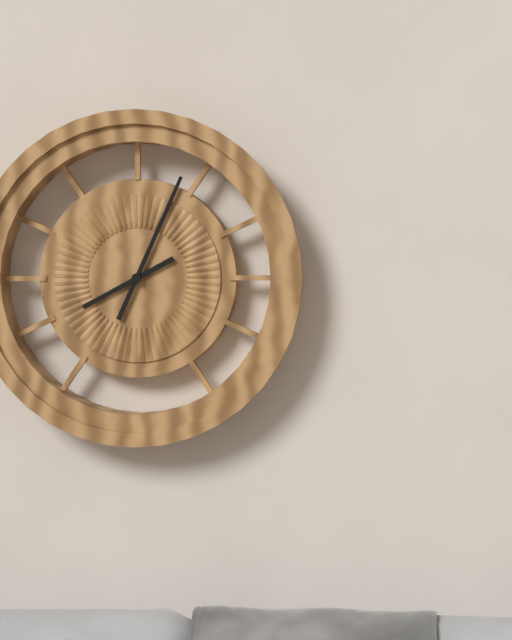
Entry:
8:04
